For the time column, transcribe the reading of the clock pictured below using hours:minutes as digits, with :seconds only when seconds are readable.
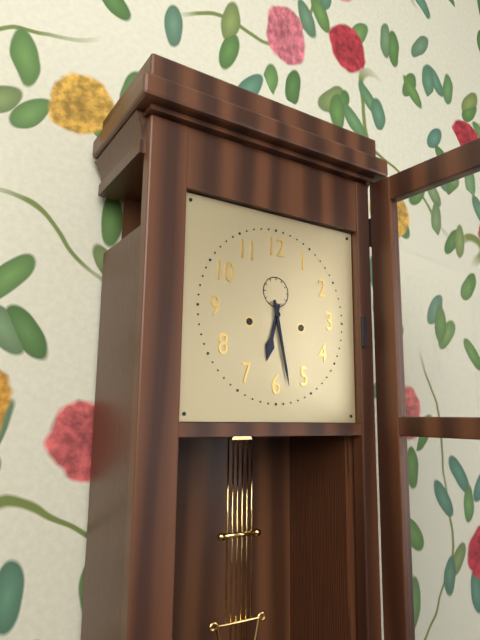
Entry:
6:28
